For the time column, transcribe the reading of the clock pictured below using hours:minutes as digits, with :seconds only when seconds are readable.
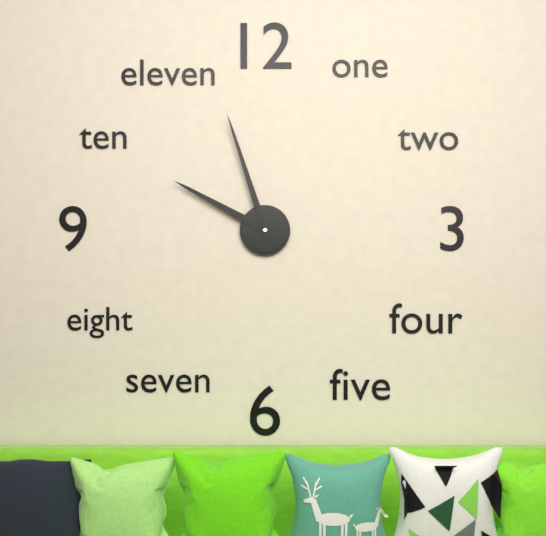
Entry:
9:57
